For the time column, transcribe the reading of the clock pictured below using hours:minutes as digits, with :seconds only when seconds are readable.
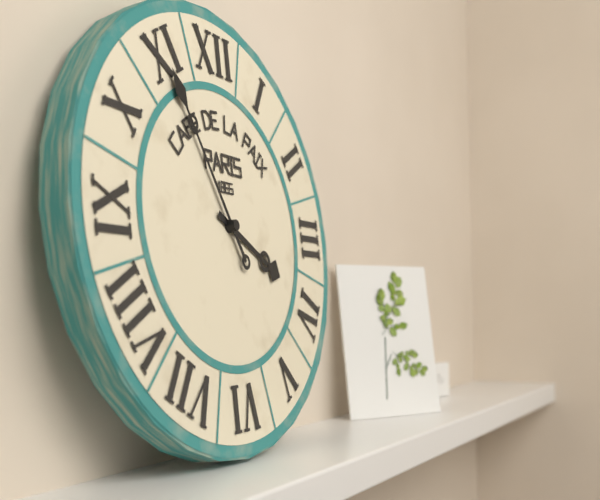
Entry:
3:55
